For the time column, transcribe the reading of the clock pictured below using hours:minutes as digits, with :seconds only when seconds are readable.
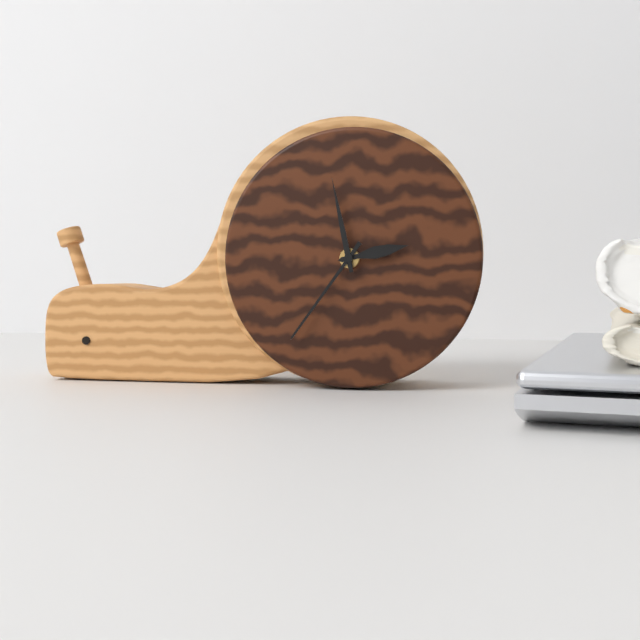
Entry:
2:36:58
